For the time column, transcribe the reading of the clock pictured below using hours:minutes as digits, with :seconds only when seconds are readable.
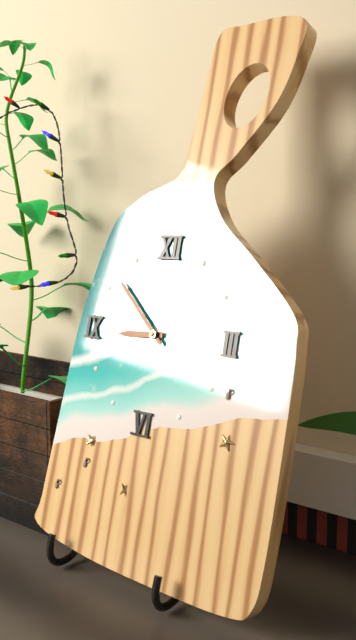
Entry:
8:52
